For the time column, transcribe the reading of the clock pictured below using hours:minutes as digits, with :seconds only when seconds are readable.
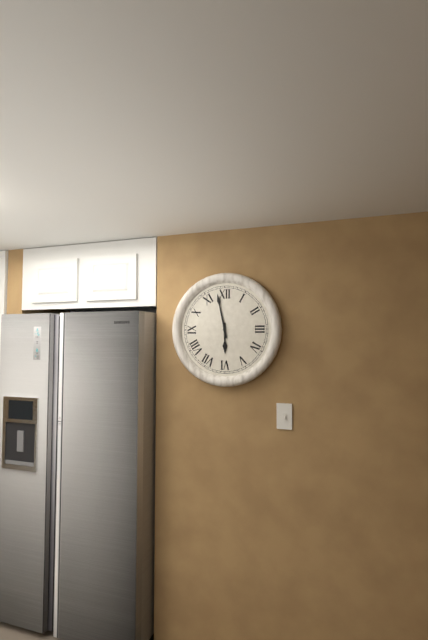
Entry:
5:58
